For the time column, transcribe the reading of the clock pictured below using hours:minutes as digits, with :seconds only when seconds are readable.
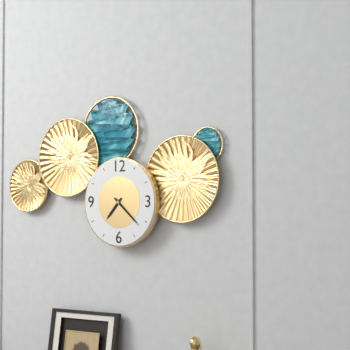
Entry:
7:22
